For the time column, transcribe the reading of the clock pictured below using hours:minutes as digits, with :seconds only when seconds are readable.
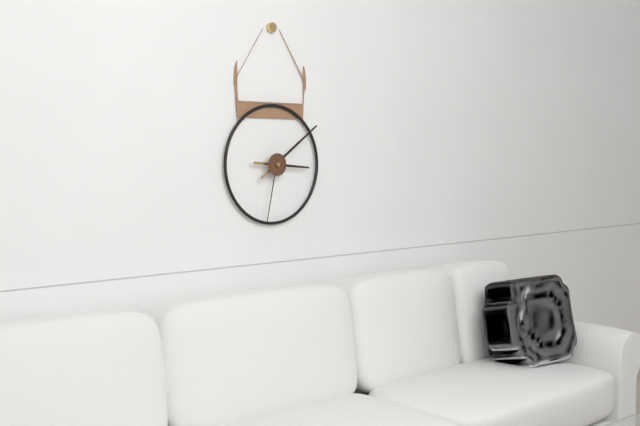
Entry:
3:09:32
